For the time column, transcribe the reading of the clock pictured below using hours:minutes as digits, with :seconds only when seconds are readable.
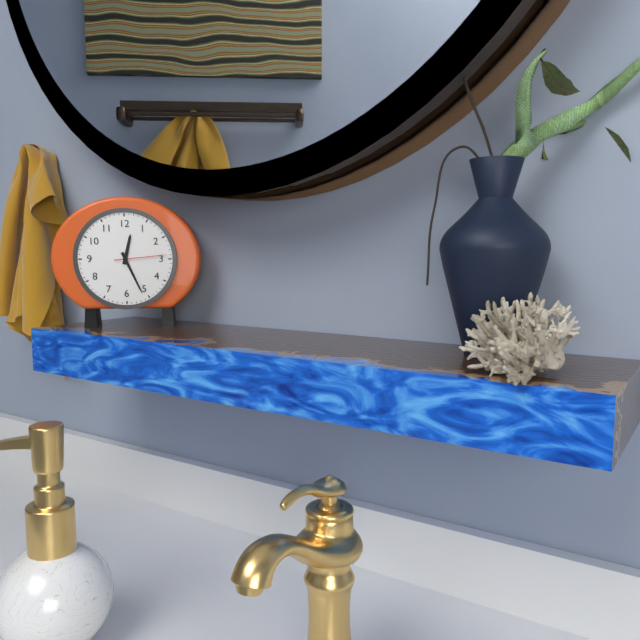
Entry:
12:26:14
